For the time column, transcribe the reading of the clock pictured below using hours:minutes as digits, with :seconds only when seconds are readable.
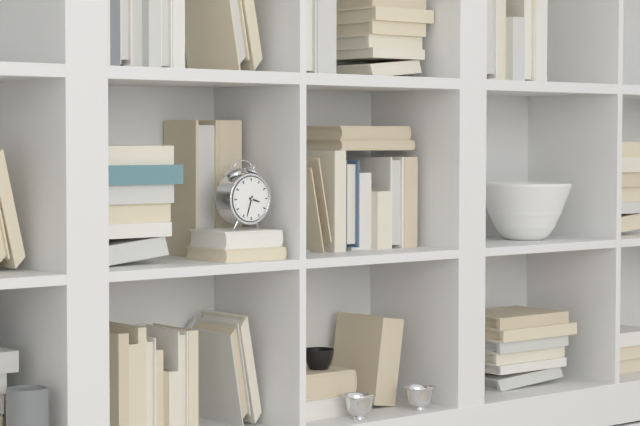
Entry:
3:33
